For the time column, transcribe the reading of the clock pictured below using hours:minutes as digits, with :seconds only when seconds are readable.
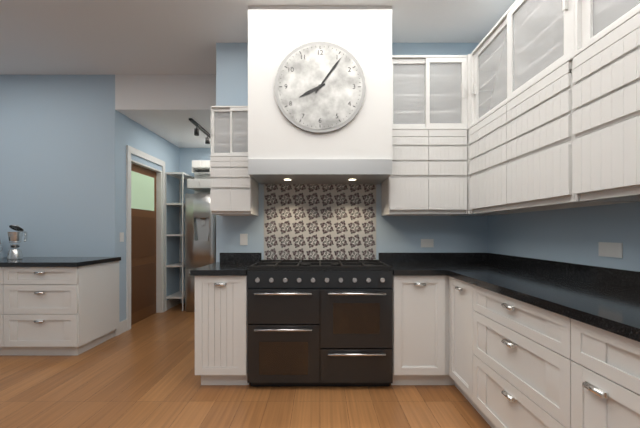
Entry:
8:06
